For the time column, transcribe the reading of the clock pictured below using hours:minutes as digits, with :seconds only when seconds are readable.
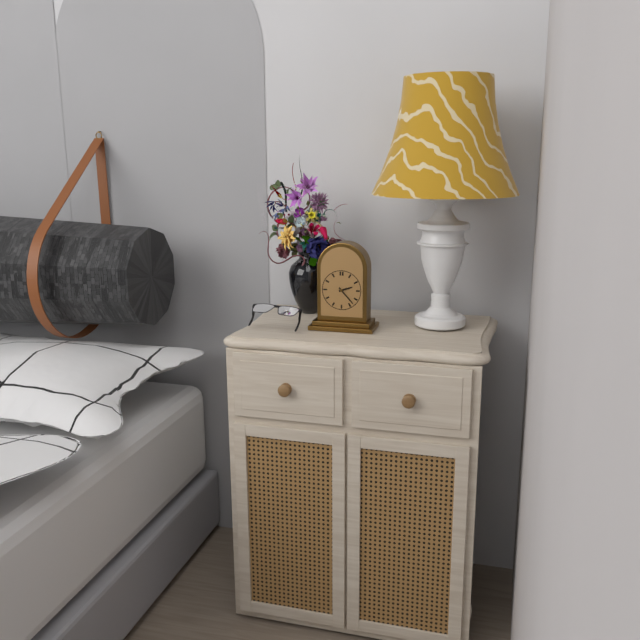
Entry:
2:23
